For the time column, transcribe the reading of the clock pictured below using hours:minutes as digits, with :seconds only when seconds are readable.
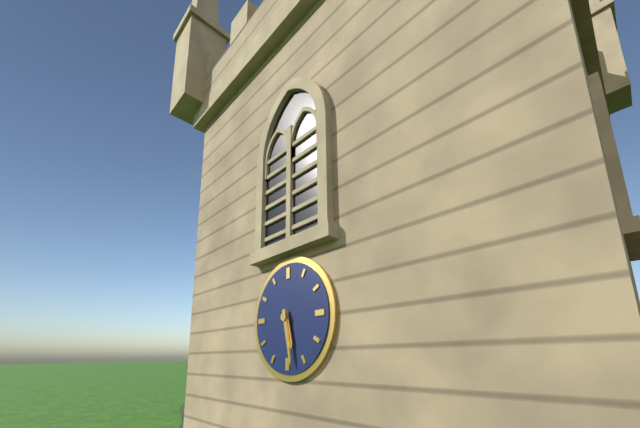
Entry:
5:28
